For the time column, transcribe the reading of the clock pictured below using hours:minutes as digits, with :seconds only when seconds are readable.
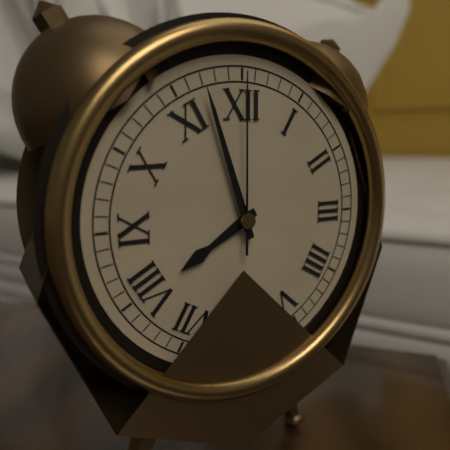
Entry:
7:57:00
